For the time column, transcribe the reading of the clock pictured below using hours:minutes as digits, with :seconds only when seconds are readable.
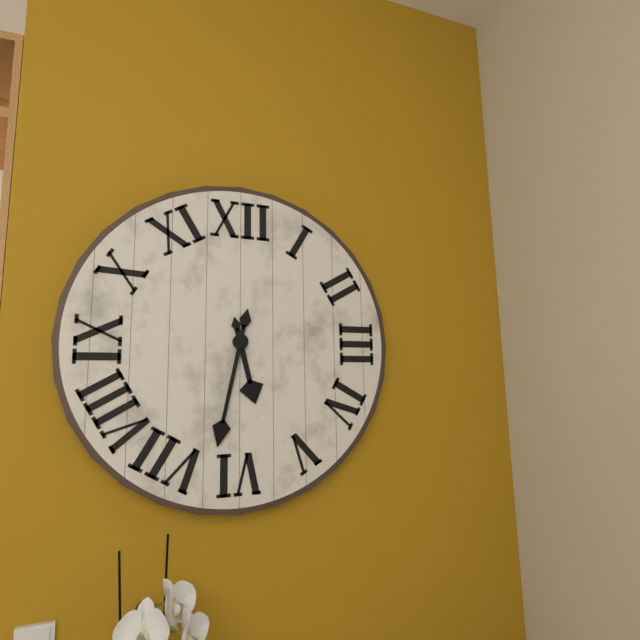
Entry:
5:32
